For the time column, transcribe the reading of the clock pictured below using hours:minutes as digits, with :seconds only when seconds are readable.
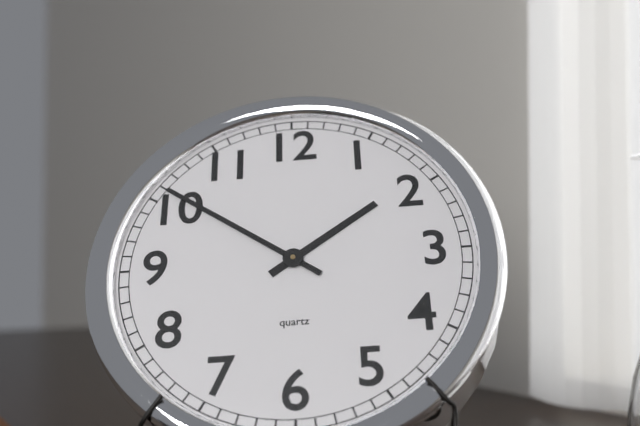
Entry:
1:51
